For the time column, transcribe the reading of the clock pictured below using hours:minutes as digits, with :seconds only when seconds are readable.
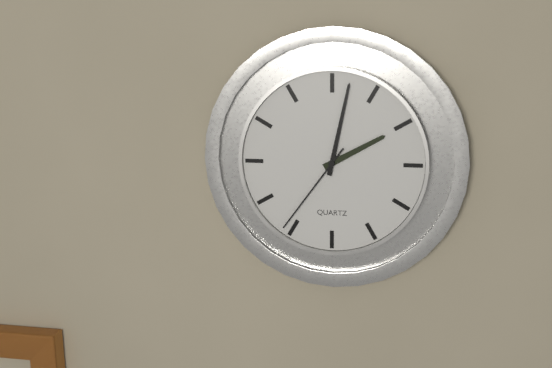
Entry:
2:02:36
